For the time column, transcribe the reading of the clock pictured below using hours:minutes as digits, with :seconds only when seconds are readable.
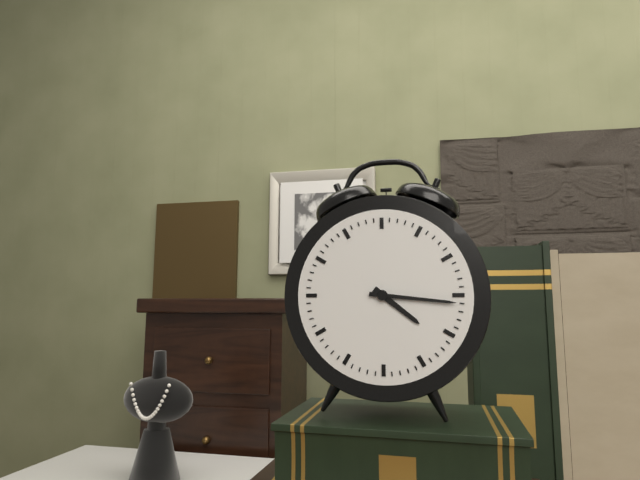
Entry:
4:16
